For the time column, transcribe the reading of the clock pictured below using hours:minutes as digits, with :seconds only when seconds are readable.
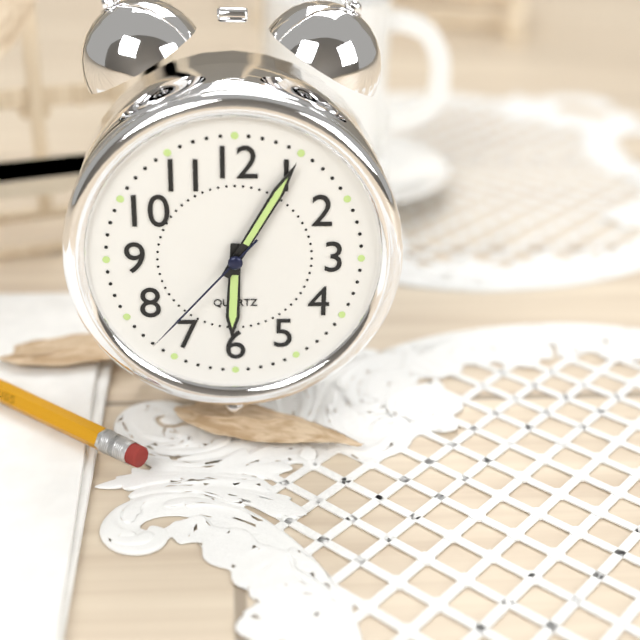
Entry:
6:05:37
